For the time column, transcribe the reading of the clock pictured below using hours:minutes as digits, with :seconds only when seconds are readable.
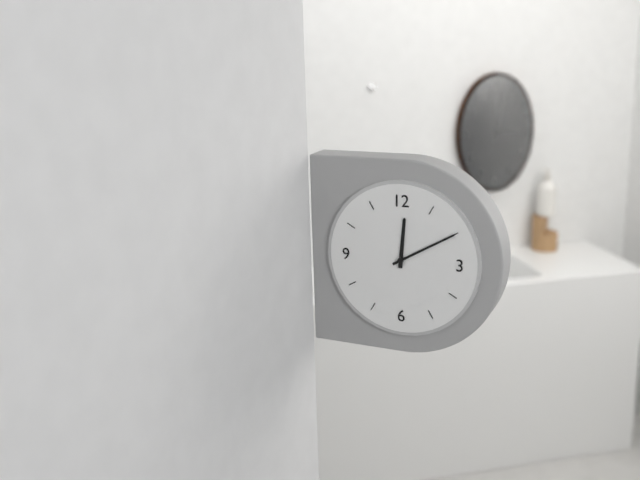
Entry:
12:10
